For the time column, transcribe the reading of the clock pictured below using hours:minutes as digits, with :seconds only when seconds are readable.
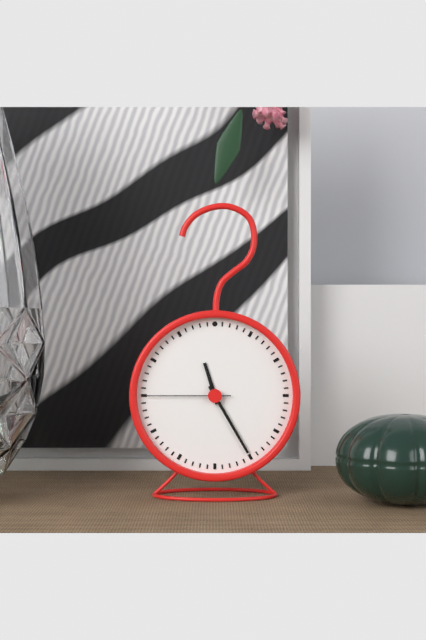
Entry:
11:25:45
